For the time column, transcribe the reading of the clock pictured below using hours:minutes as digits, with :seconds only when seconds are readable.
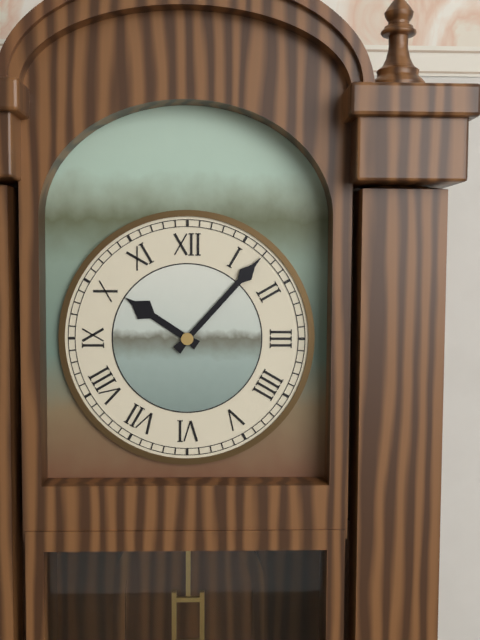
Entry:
10:07
